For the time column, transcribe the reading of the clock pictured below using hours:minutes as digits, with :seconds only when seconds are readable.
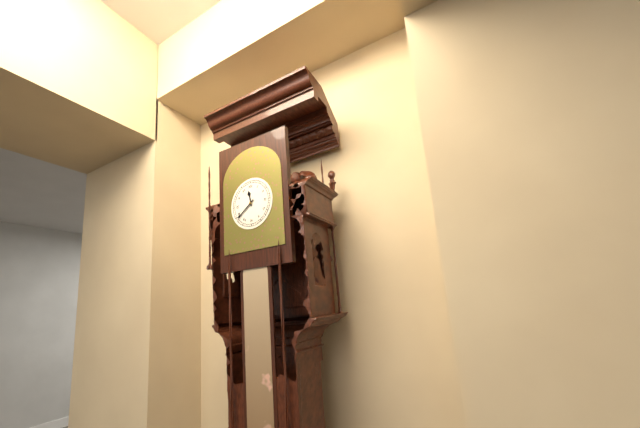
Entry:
11:39
